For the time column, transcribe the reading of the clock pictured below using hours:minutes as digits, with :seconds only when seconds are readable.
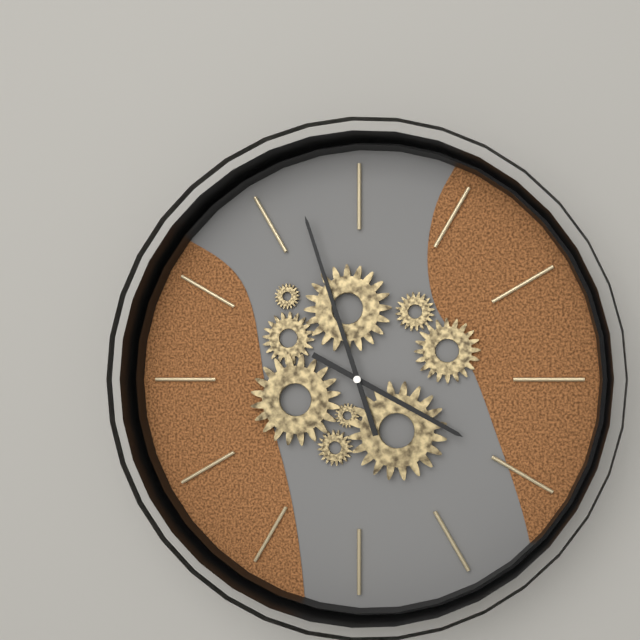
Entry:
3:57
